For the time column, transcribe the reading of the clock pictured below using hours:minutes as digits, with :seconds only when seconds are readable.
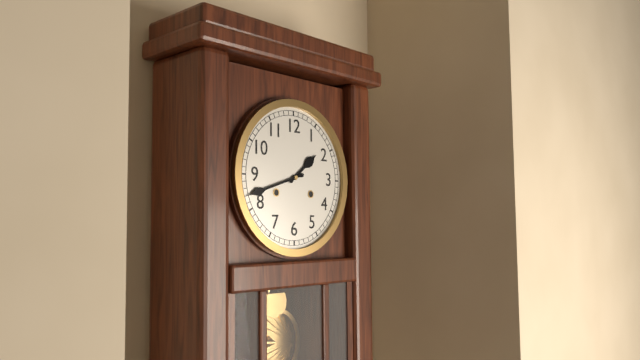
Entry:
1:42
